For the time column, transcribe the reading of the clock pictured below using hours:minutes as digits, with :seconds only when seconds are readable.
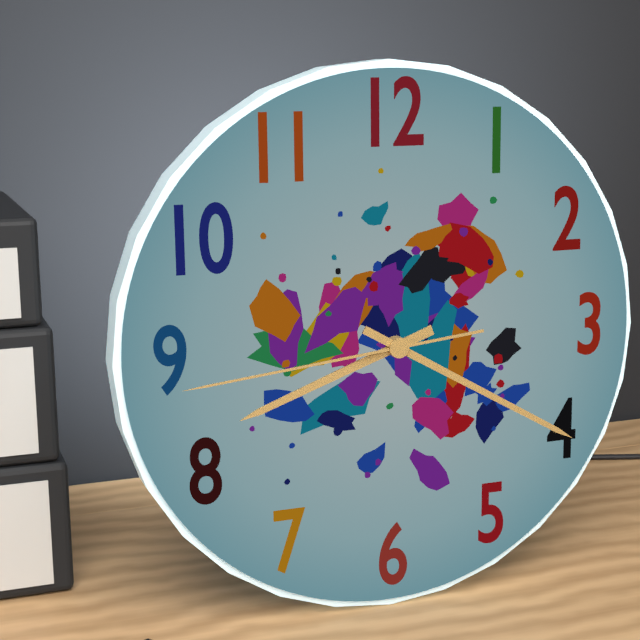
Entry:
8:20:44
